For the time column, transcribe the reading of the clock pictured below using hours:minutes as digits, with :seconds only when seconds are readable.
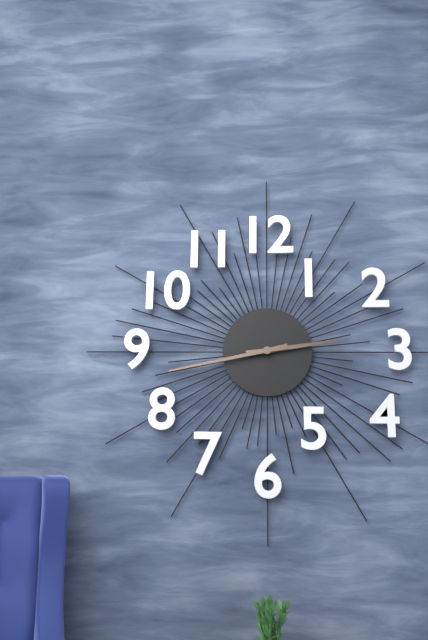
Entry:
2:43
